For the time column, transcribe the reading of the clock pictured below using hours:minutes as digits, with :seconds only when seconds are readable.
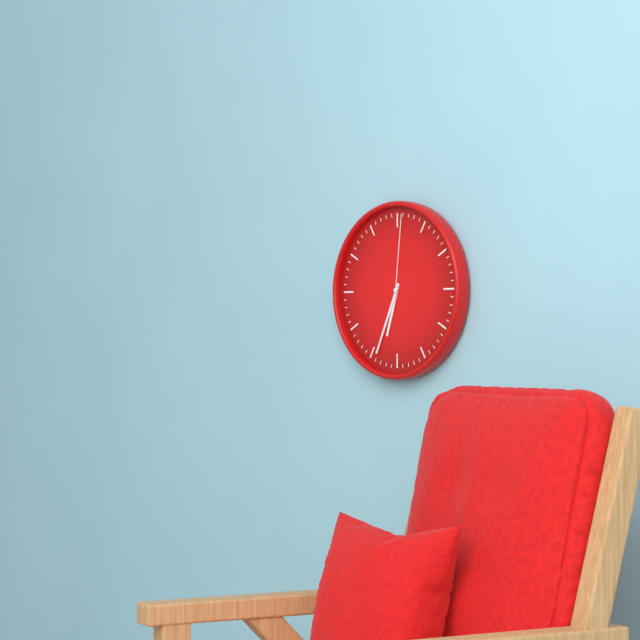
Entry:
6:34:01
